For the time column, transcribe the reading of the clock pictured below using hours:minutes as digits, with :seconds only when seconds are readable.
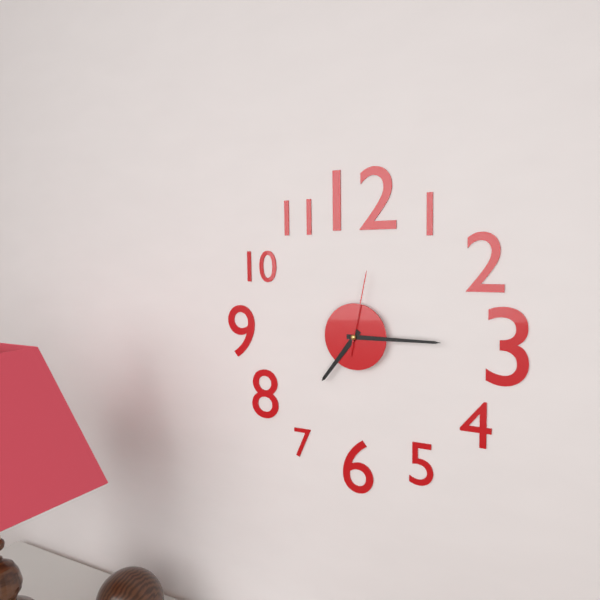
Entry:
7:15:02
